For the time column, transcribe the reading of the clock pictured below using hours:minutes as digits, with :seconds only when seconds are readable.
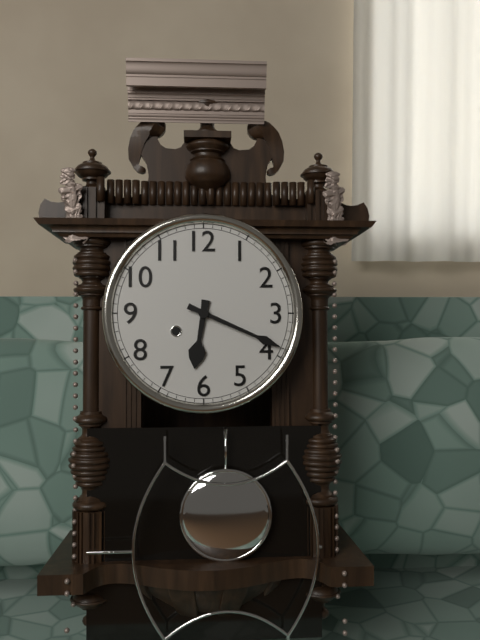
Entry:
6:19
